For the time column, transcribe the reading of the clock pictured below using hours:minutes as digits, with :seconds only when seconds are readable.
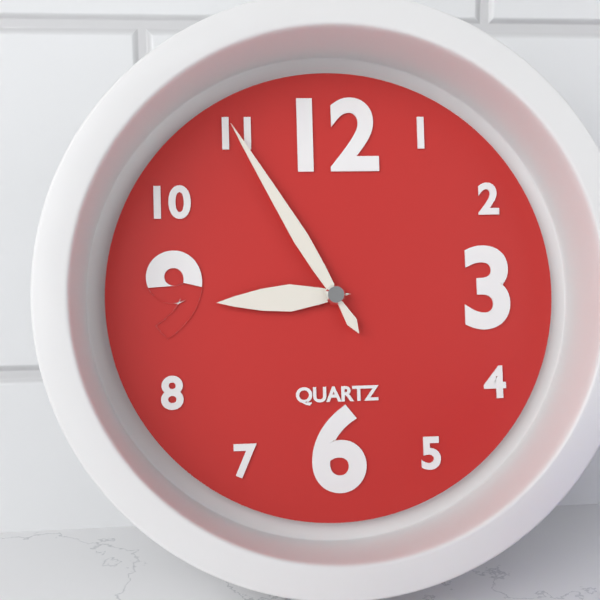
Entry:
8:55
